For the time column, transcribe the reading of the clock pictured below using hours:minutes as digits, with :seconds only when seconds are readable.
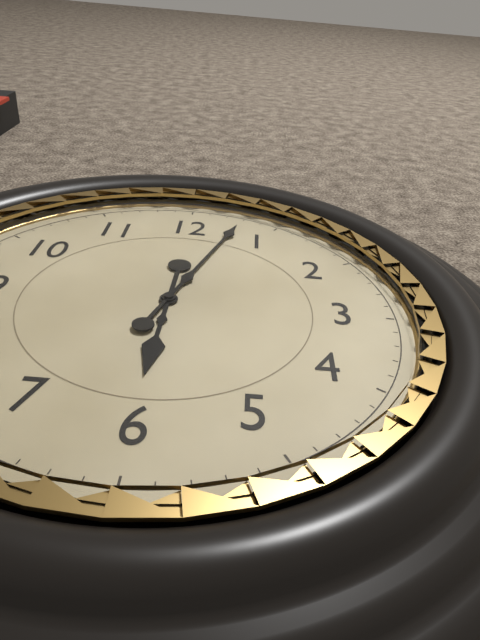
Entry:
6:03
